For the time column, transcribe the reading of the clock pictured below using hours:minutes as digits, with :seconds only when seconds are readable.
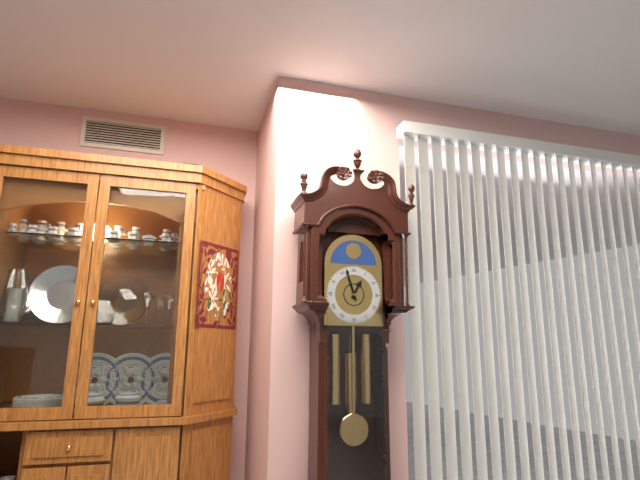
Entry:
12:57
